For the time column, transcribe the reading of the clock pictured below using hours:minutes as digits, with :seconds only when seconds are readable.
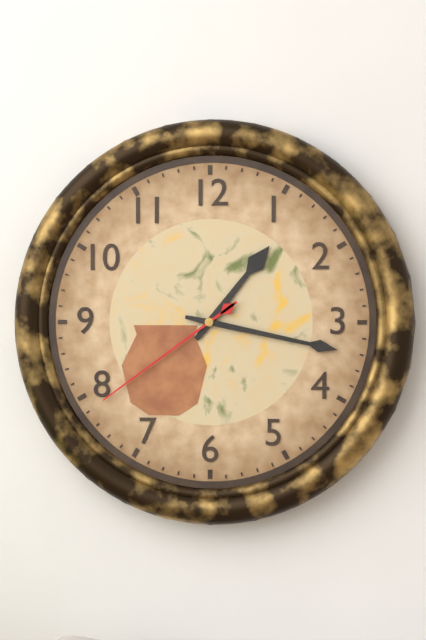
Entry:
1:17:39
